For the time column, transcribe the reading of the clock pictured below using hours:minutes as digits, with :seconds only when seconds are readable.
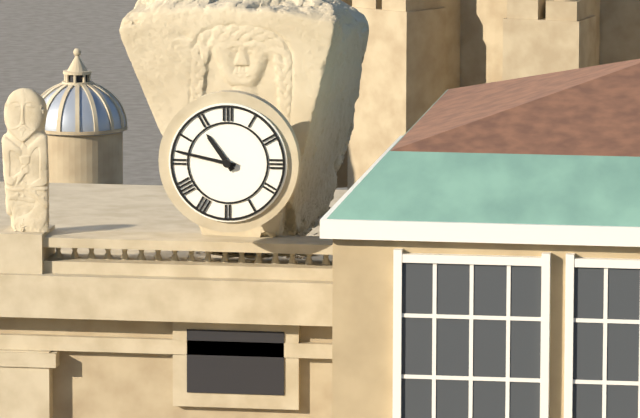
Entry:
10:47
